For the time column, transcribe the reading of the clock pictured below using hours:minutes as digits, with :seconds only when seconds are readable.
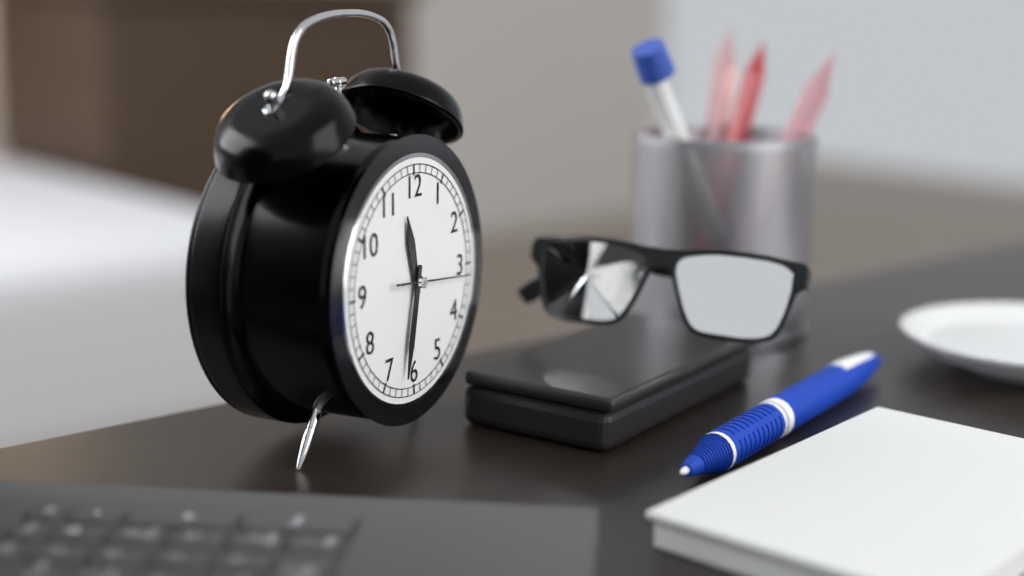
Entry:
11:32:16
